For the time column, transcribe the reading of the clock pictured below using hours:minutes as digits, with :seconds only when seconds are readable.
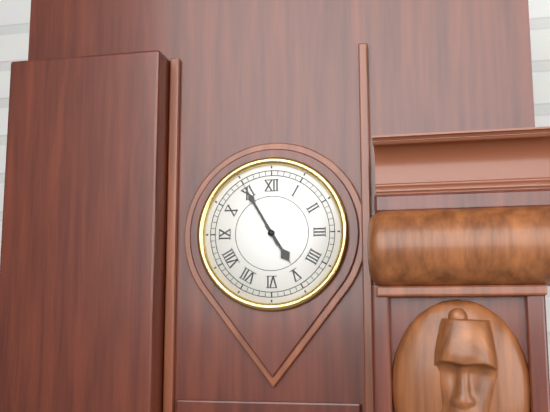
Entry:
4:55
